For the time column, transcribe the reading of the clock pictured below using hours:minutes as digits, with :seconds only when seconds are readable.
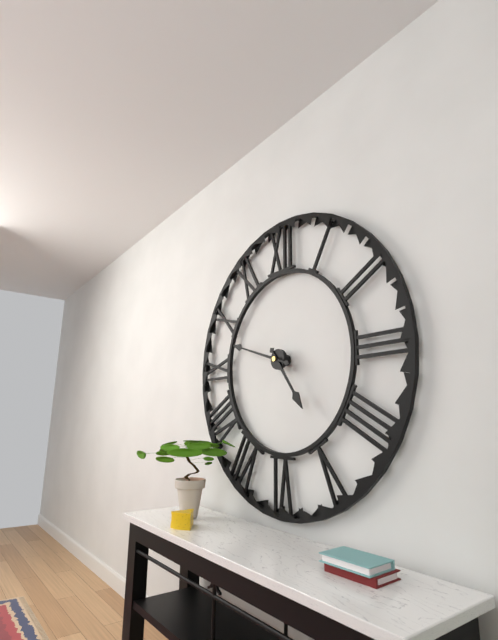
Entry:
4:48
